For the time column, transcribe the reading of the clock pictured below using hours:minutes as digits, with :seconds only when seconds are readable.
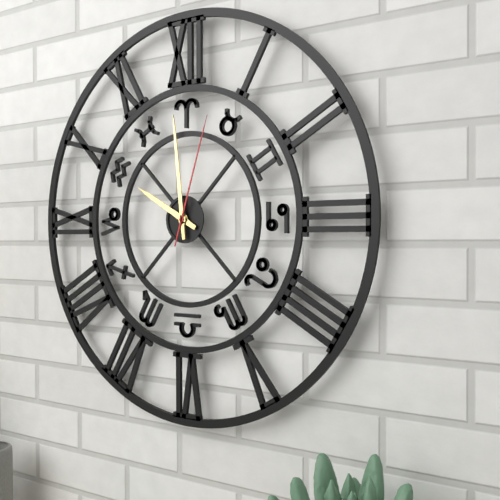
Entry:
9:59:03
